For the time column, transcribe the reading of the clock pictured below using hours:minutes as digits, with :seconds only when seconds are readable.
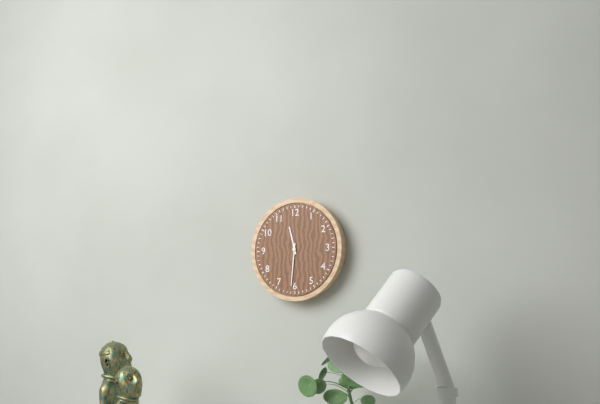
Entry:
11:31
